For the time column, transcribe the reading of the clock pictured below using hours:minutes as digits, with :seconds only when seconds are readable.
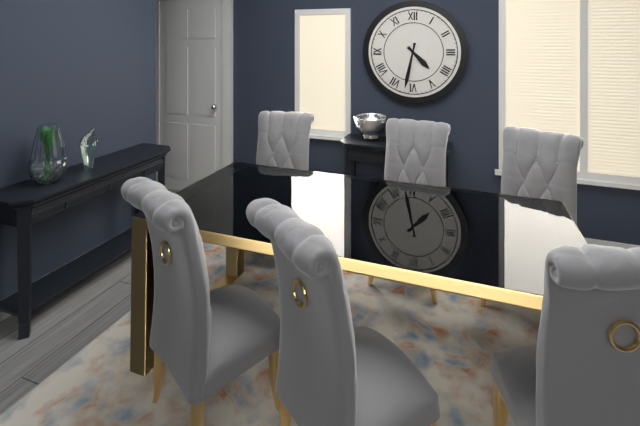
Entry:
4:32
